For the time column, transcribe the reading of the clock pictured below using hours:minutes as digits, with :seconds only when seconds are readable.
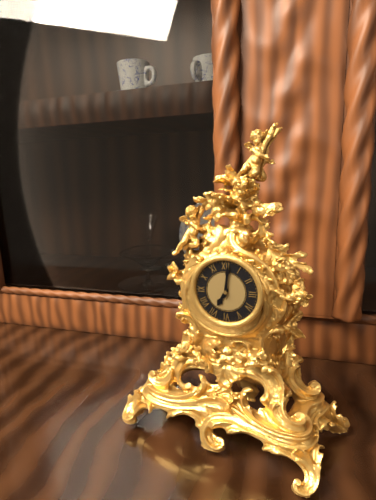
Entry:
7:01
